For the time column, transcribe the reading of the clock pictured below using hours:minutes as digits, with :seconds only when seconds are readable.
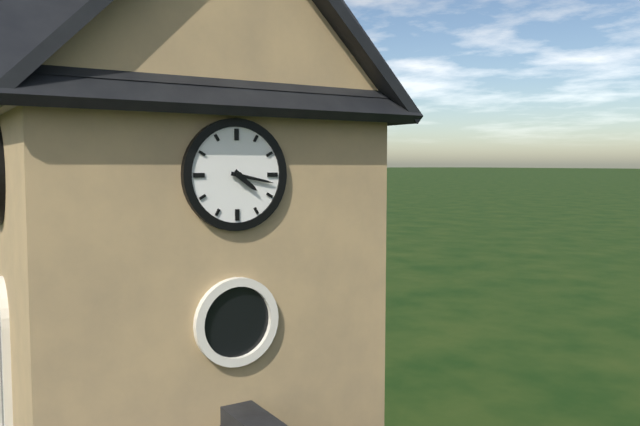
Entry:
4:17
